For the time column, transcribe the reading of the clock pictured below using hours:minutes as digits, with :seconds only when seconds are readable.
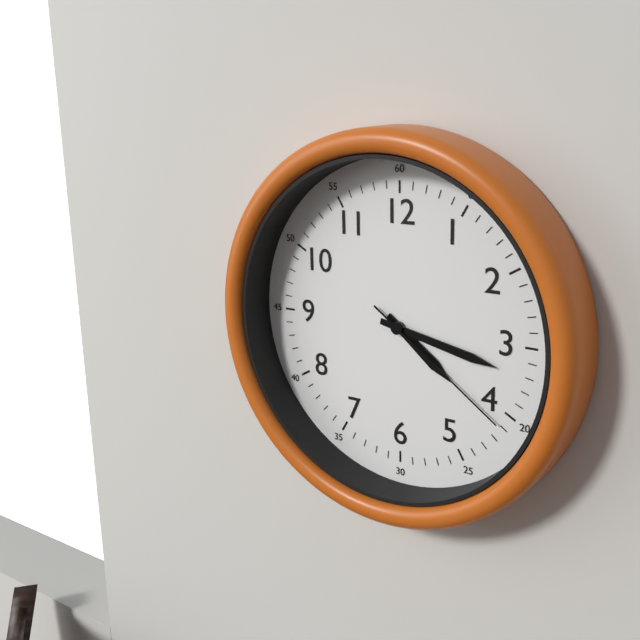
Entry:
4:17:21
